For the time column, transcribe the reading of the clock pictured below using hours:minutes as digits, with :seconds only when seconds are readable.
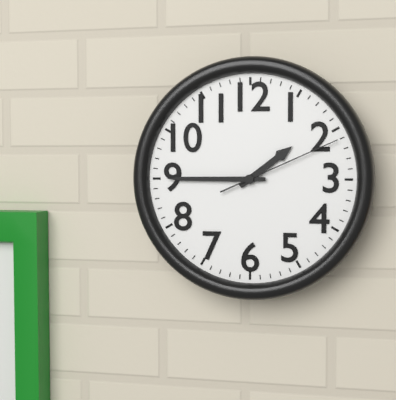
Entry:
1:45:11
